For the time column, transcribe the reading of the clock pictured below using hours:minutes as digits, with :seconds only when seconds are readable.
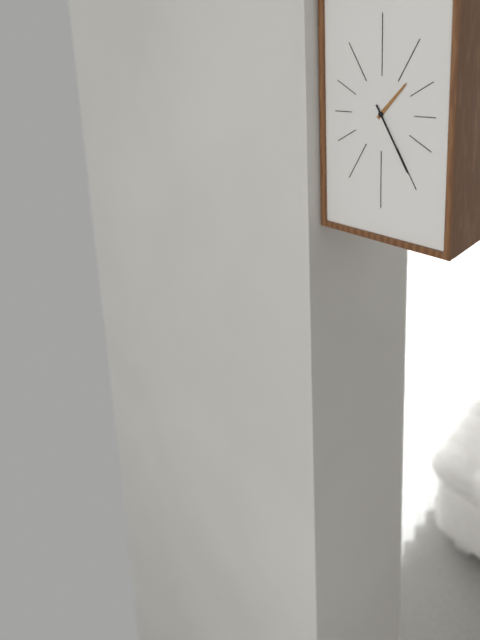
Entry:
1:25
